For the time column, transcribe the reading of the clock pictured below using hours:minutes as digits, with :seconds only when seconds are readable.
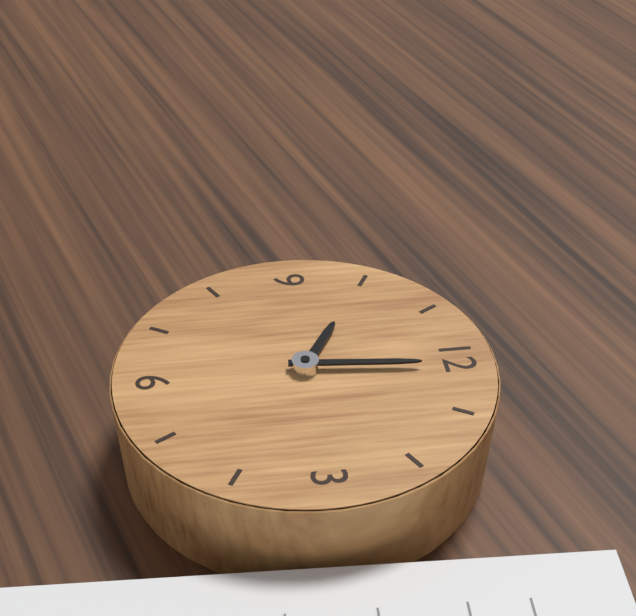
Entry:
10:01
